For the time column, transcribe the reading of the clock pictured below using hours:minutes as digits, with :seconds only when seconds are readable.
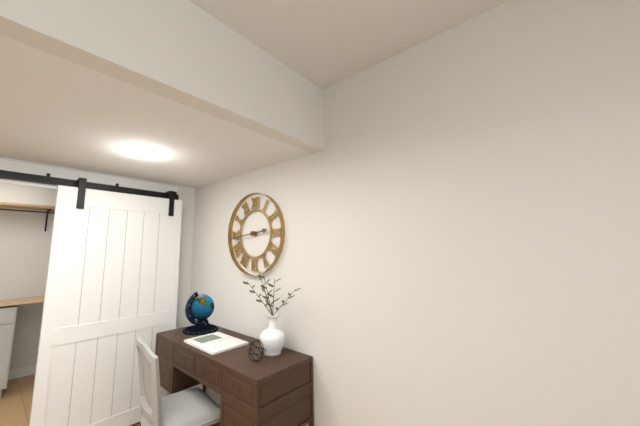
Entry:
2:44
